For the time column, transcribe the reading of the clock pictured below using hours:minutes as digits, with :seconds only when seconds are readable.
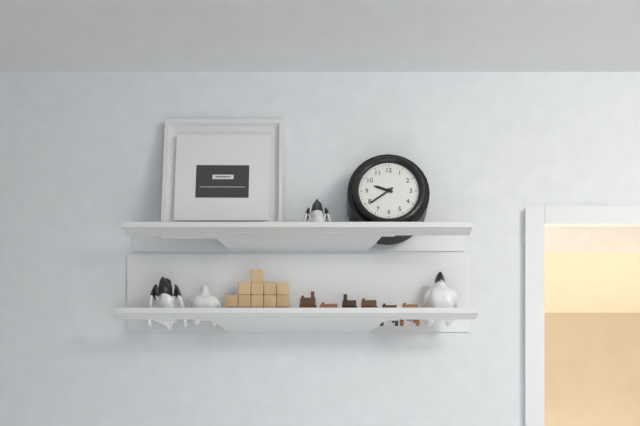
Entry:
9:39
